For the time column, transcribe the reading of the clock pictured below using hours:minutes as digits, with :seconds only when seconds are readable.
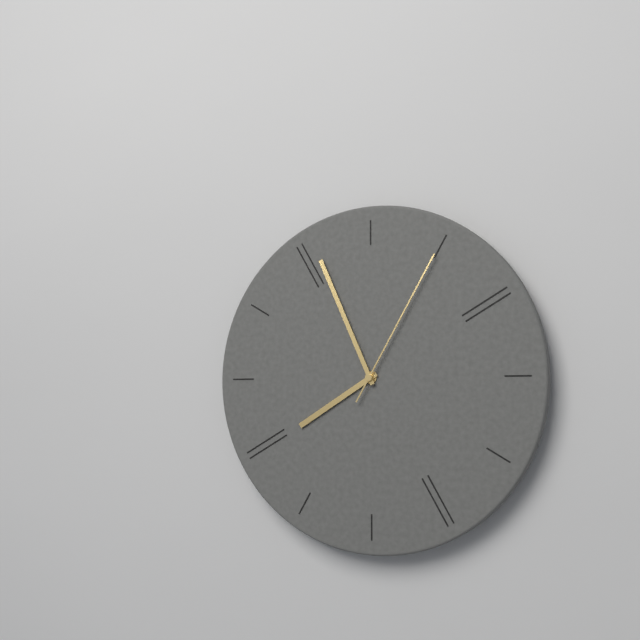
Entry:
7:56:05
